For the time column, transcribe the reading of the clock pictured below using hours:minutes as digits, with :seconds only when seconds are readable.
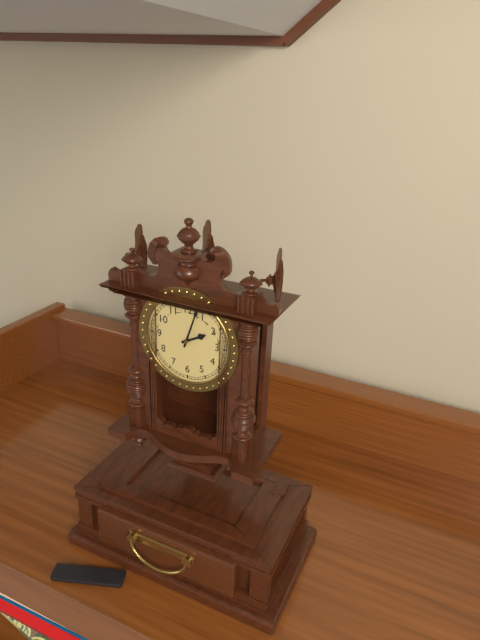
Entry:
2:03
